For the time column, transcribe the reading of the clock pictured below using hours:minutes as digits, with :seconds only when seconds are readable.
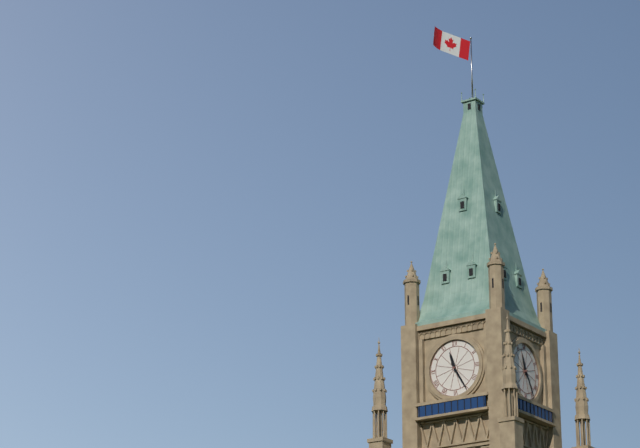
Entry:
11:25
